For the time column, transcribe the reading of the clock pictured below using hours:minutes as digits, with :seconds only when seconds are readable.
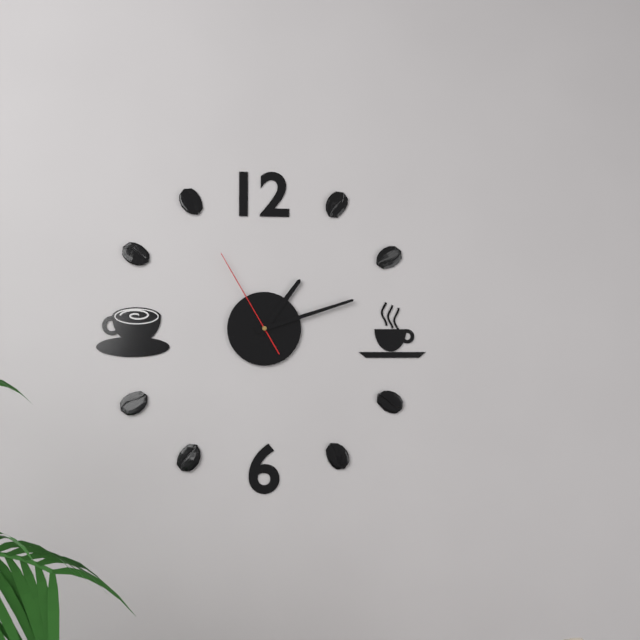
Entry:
1:12:55
